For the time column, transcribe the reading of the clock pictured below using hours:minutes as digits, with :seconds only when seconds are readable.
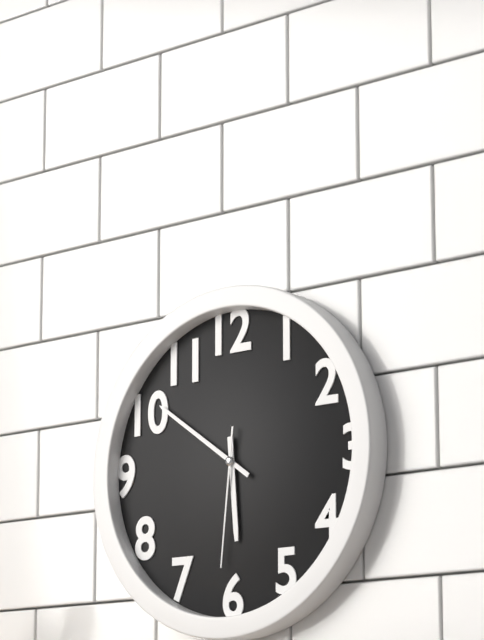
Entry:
5:51:31
